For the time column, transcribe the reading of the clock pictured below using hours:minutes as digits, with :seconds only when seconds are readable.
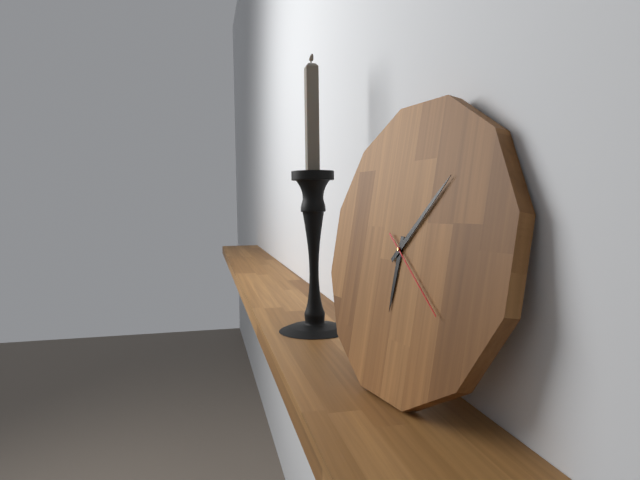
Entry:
6:07:21
